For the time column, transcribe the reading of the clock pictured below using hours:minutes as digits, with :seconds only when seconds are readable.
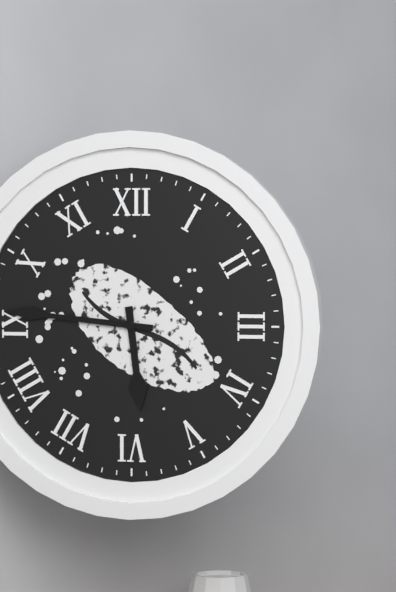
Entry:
5:46
